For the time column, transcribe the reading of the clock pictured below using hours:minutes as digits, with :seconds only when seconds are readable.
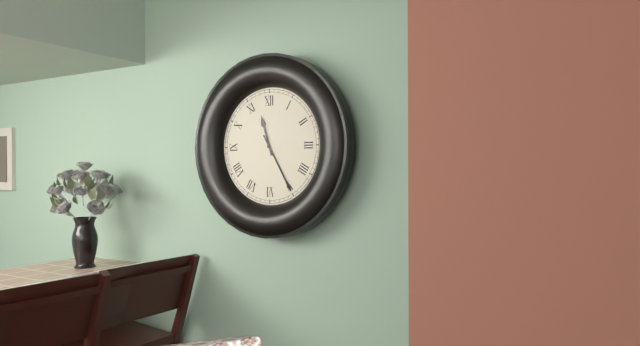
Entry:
11:25
